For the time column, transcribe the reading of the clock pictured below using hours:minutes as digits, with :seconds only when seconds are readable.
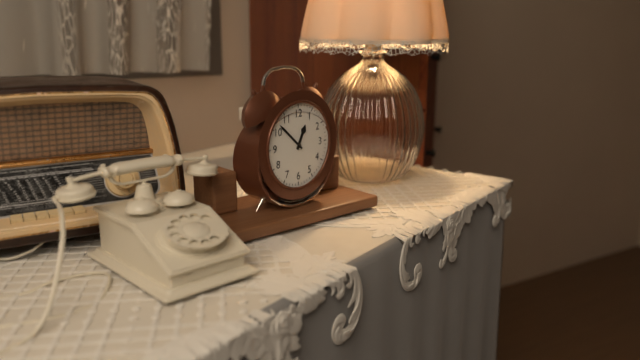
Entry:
12:52
